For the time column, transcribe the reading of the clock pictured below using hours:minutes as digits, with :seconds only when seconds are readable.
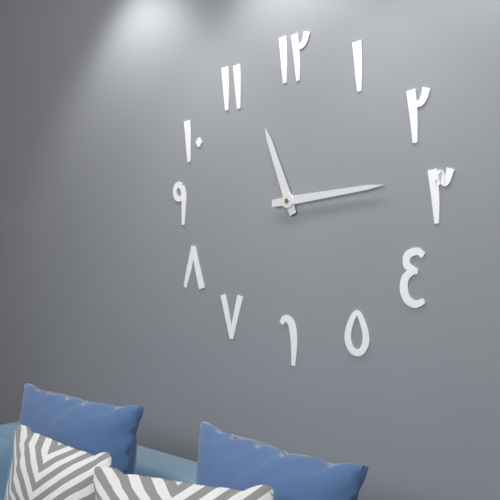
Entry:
11:14
